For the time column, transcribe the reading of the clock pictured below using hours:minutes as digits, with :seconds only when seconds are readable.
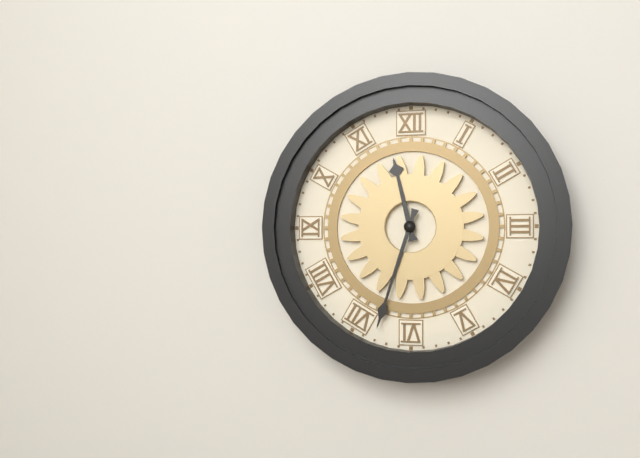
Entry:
11:33
